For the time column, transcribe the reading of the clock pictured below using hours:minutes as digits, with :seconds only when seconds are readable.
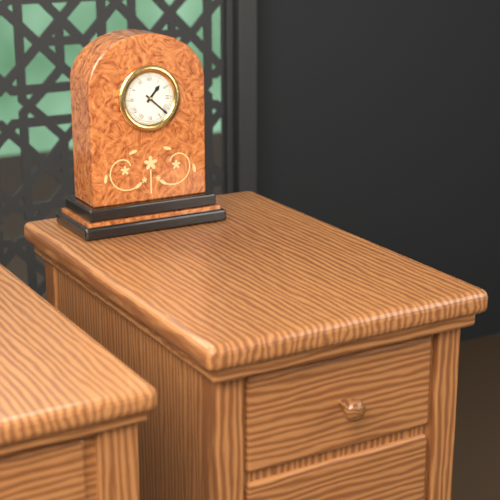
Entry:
1:22
